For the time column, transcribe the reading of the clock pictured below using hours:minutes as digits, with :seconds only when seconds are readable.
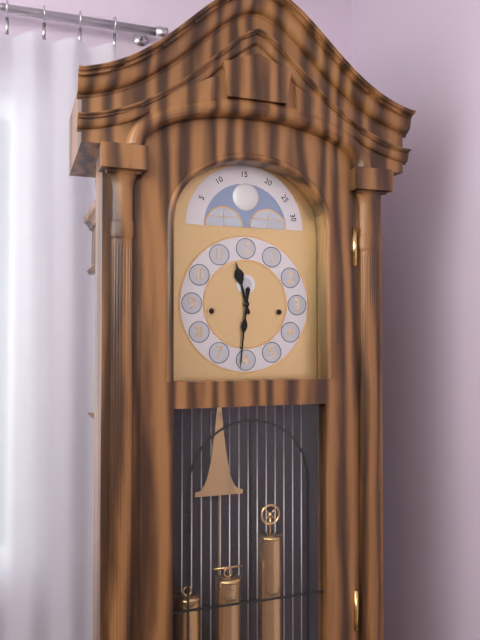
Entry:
11:31
